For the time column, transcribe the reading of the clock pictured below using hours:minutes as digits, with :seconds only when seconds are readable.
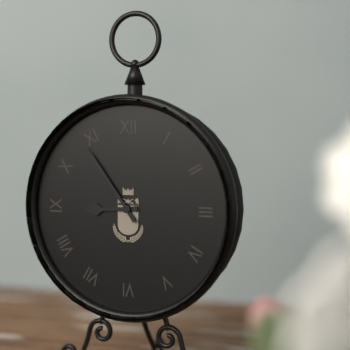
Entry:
8:54
